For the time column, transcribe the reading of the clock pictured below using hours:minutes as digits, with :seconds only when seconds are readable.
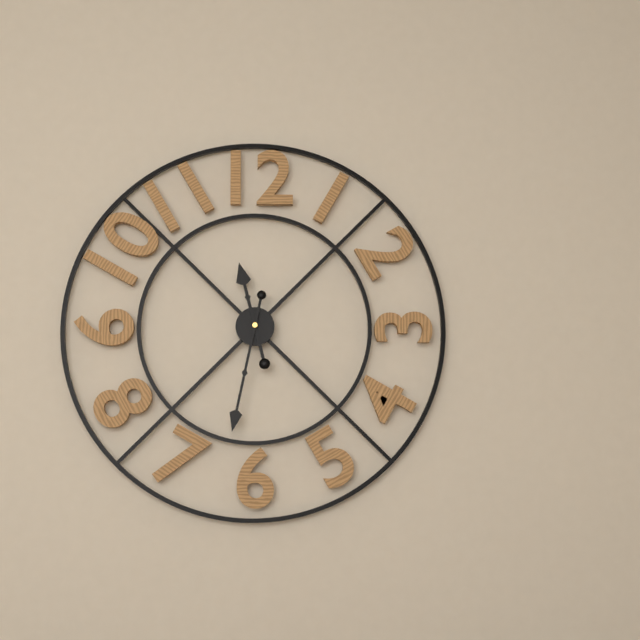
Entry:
11:32
